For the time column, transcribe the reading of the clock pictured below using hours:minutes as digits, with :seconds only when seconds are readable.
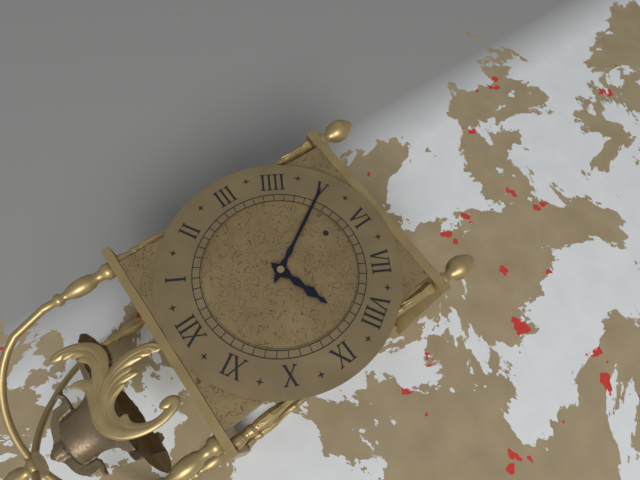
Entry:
8:25
